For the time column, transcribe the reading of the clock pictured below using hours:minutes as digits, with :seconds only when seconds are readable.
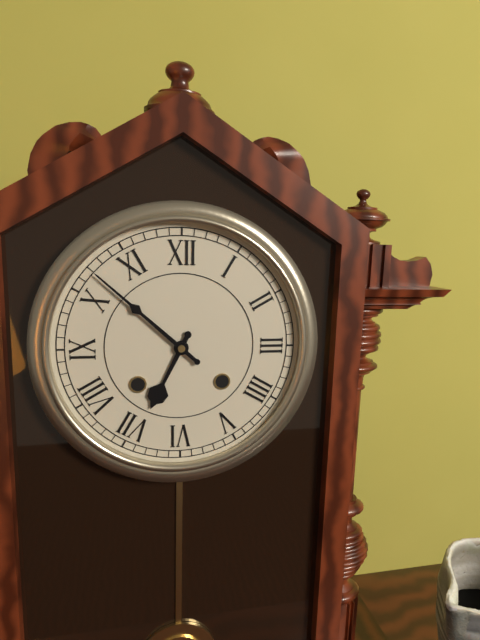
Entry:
6:52
